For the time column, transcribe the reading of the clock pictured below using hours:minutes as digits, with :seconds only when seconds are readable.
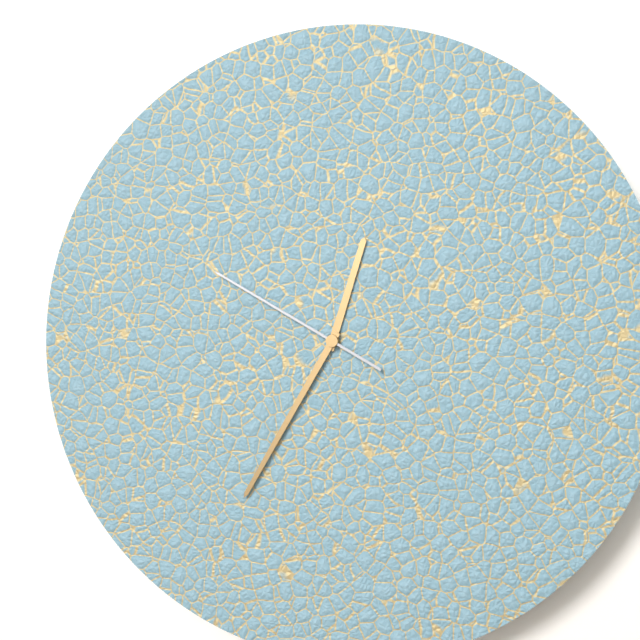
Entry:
12:35:50
